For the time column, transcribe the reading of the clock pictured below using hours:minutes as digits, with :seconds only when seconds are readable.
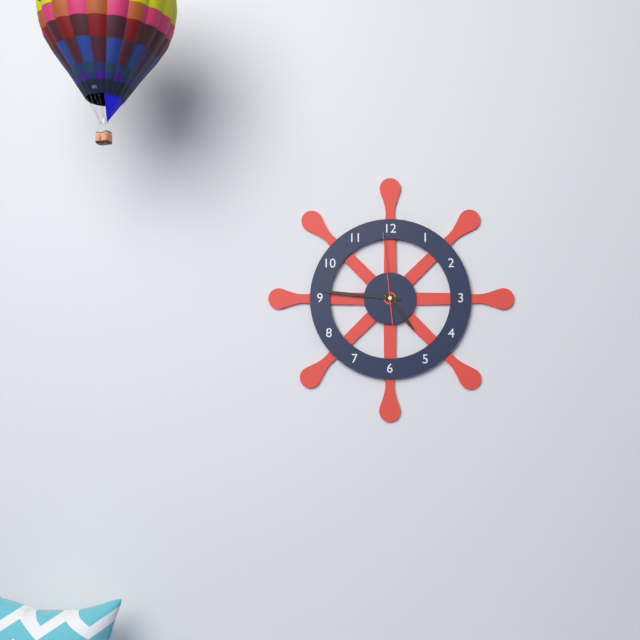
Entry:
4:46:59
